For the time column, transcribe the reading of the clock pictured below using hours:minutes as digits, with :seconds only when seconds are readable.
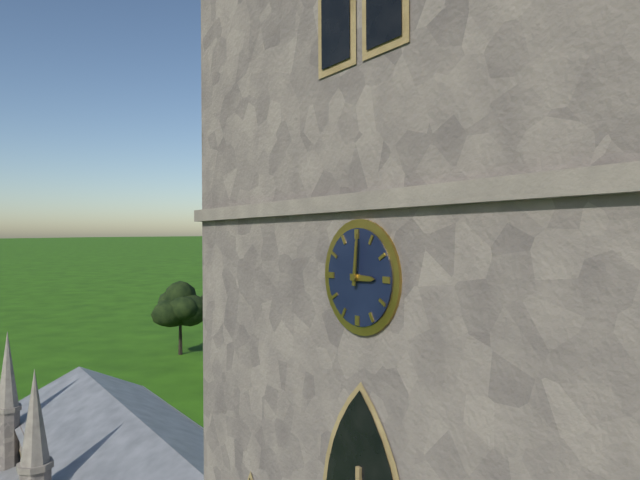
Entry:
3:01
